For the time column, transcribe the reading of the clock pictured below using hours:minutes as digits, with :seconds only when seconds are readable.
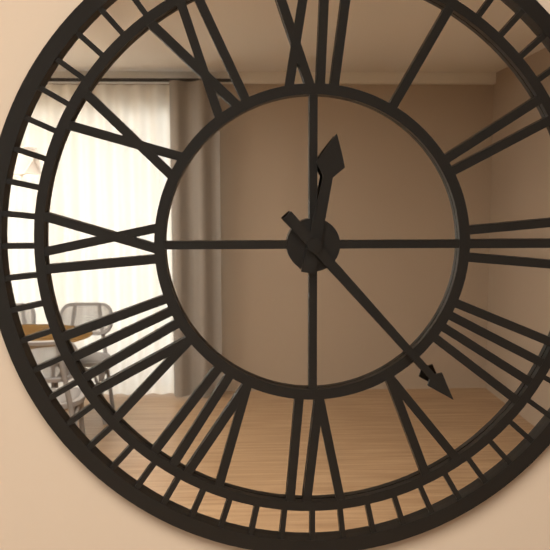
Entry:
12:23
